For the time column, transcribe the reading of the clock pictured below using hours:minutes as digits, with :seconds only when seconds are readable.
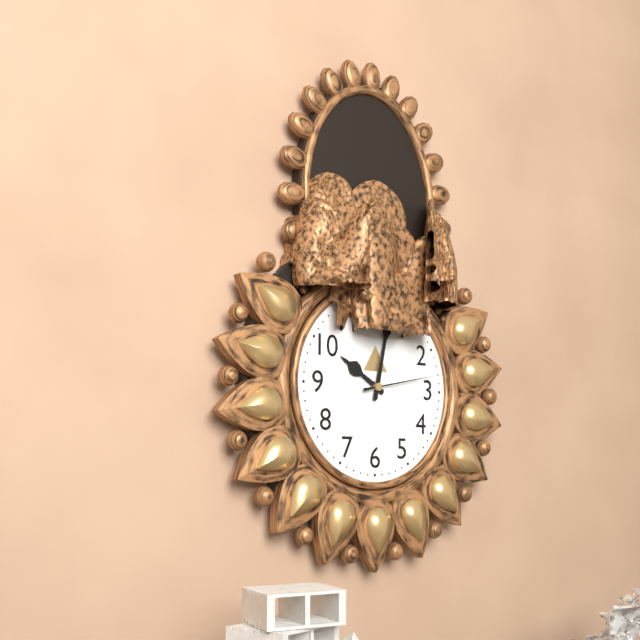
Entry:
10:02:13
